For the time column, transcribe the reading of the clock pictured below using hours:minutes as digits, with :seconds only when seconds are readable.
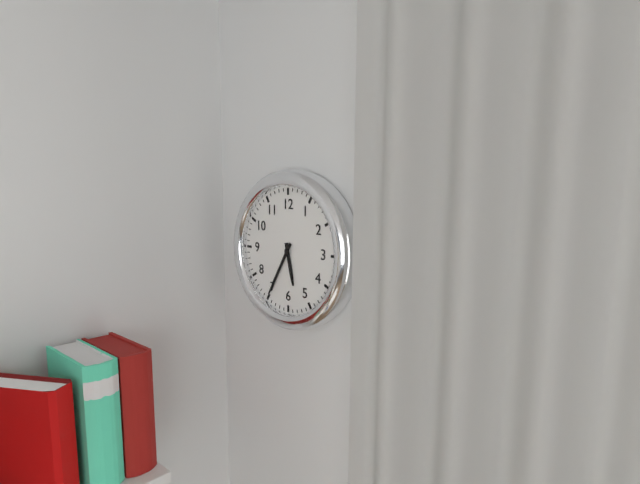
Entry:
5:35
